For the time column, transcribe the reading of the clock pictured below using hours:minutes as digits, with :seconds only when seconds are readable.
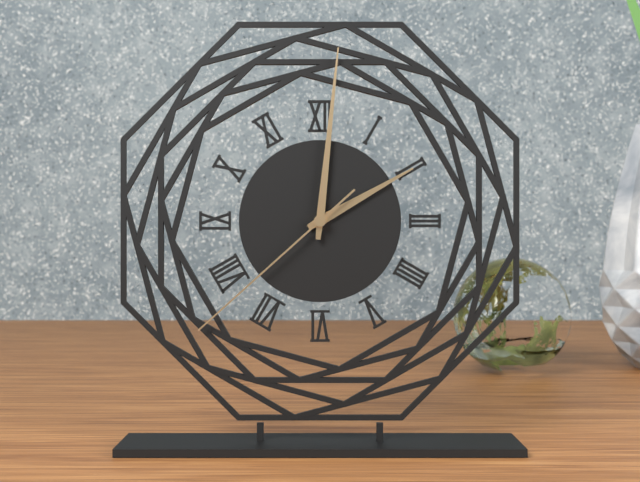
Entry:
2:01:38
